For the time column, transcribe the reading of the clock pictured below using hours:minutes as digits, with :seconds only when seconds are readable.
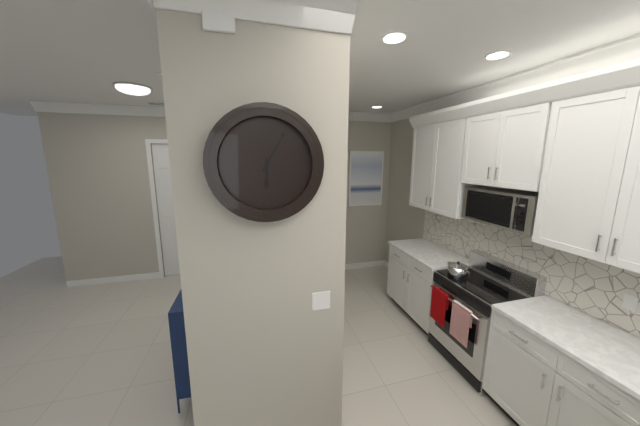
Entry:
6:05
